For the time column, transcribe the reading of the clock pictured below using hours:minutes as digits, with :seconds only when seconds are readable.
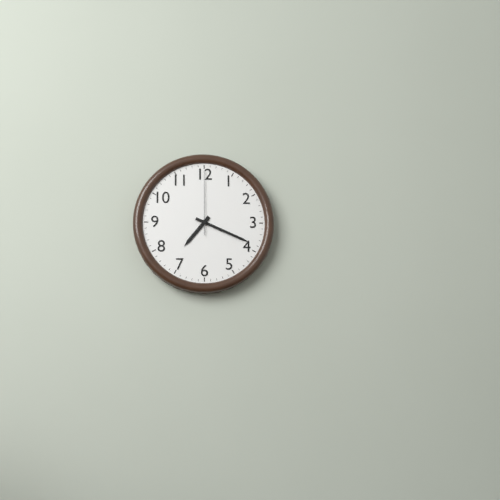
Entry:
7:19:00
